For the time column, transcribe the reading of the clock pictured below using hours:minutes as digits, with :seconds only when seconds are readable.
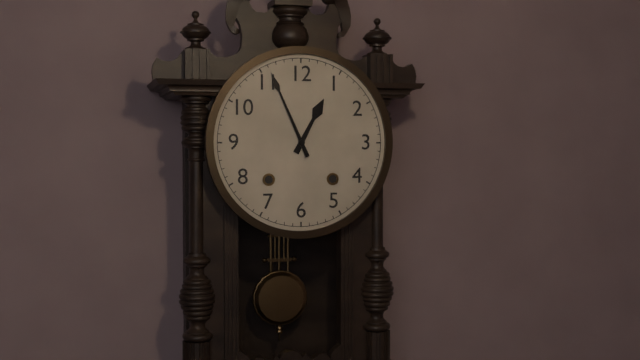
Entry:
12:56
